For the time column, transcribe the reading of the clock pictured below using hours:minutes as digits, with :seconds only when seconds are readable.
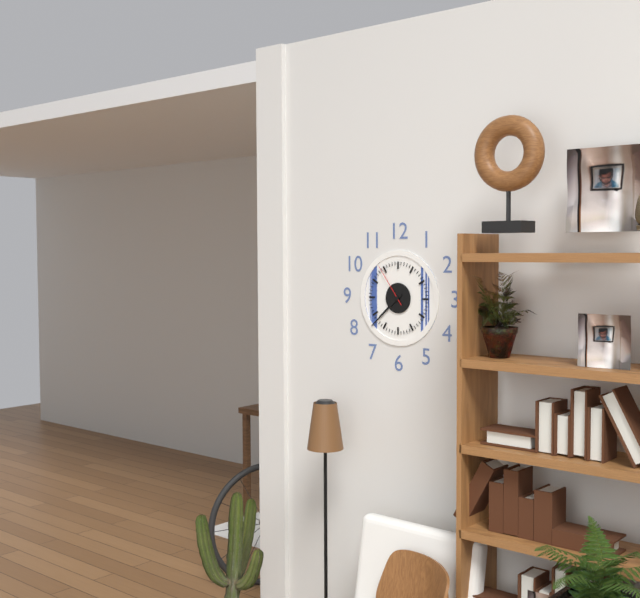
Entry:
7:38
